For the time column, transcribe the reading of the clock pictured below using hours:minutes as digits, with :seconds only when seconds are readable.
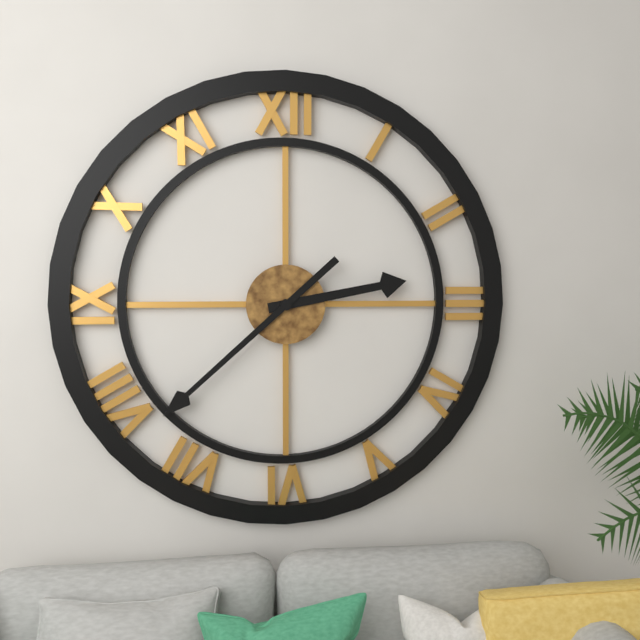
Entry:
2:38
